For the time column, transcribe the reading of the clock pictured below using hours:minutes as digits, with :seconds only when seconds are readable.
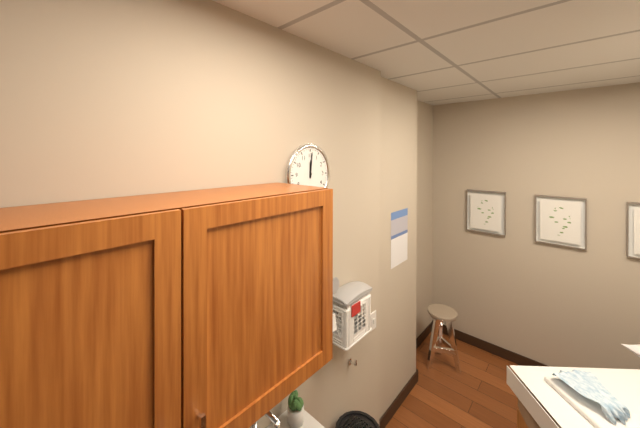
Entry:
12:01
